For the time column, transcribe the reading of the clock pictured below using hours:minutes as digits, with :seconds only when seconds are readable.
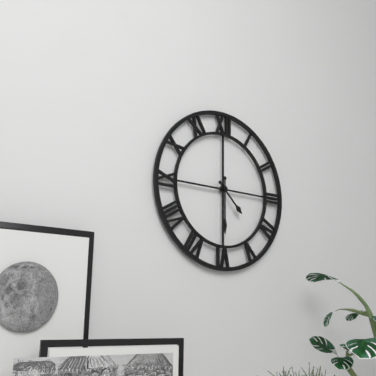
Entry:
4:30
